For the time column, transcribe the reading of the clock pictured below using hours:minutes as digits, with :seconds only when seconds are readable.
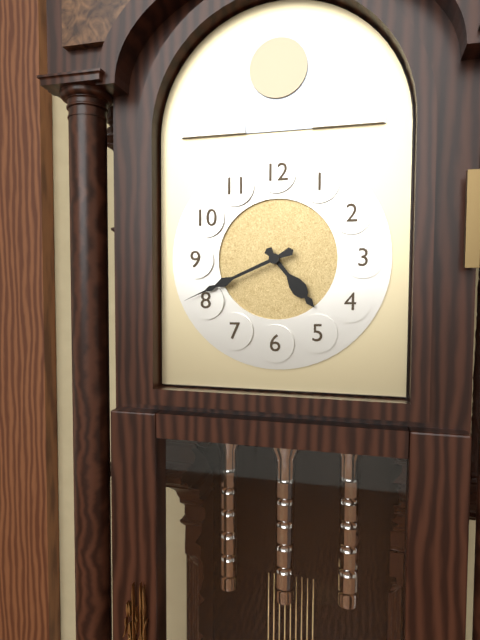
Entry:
4:41
